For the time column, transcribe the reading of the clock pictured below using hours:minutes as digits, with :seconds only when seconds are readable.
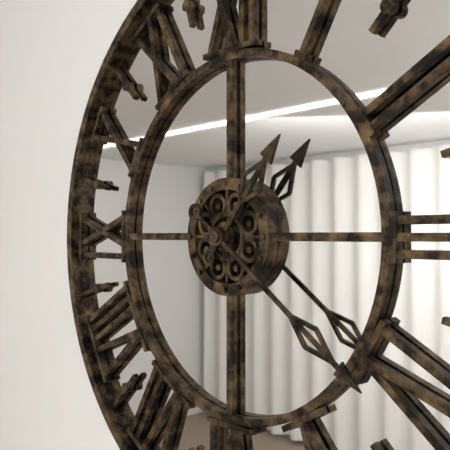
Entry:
1:21
